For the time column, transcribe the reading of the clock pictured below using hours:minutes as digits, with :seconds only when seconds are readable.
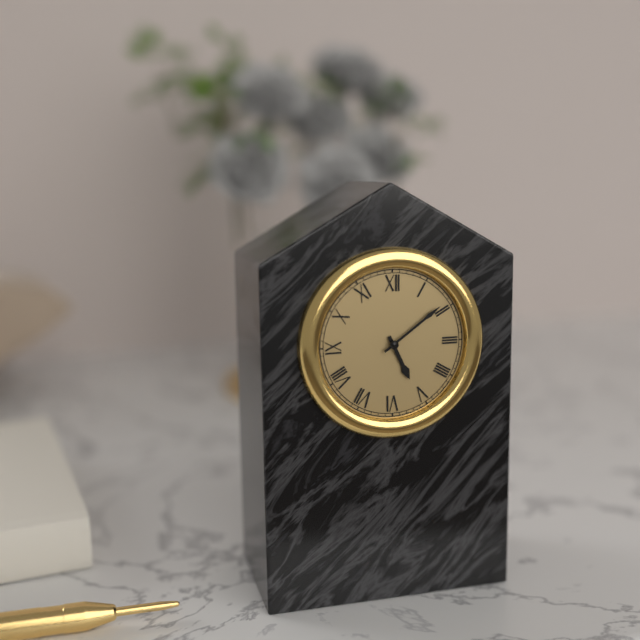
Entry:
5:09
